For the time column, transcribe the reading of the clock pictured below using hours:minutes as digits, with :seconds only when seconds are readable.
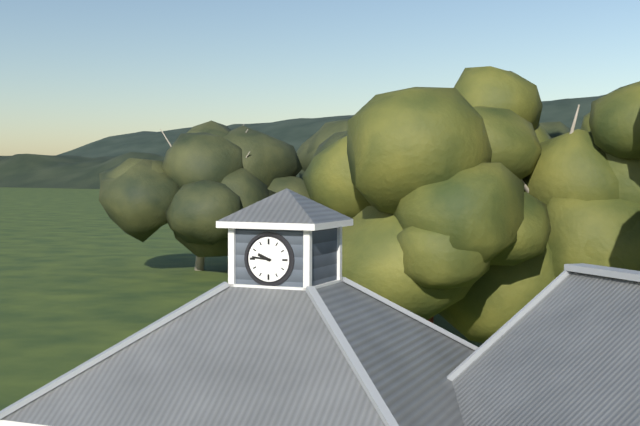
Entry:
9:46
